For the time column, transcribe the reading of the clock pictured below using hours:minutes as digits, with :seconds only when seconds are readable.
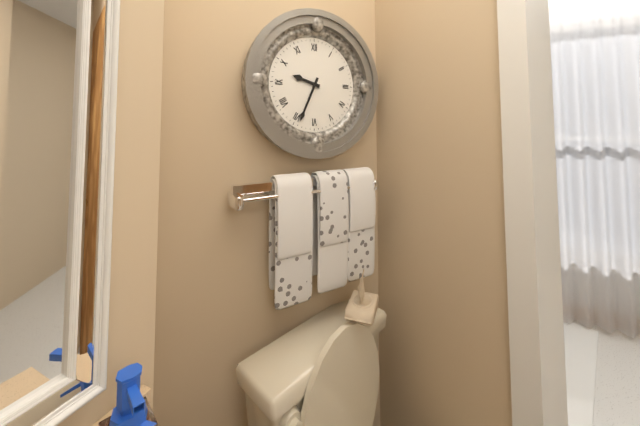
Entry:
9:34
